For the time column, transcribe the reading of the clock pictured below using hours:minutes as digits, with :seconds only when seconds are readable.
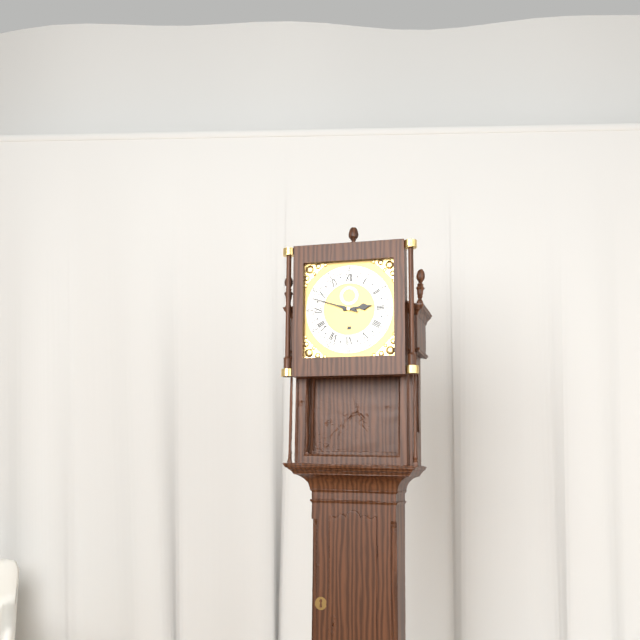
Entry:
2:48
